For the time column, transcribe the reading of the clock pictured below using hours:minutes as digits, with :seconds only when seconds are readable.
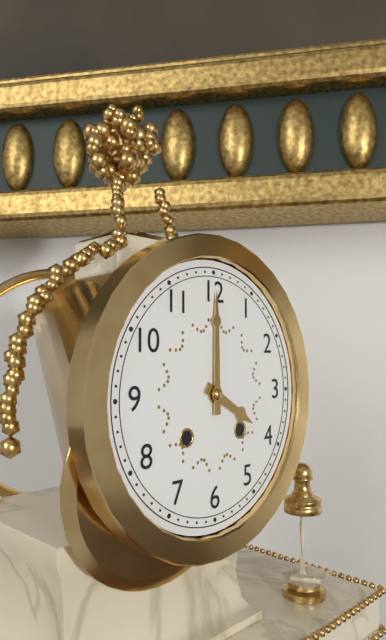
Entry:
4:00
